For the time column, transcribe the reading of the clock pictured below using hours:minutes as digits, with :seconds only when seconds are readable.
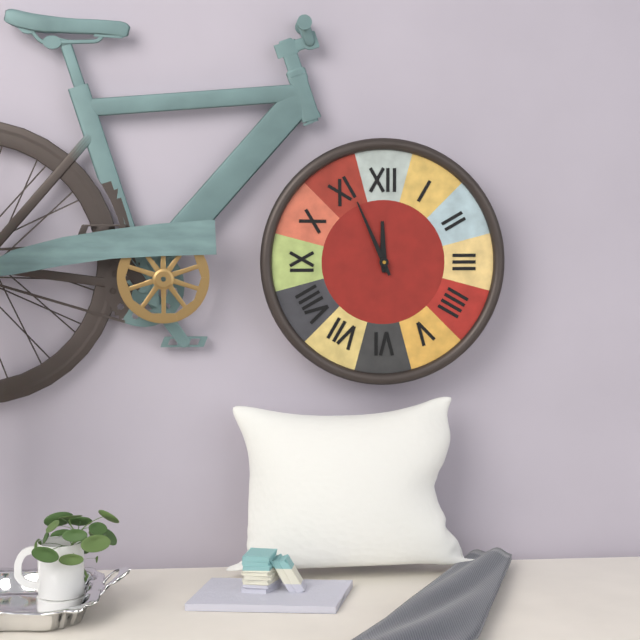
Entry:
11:56
